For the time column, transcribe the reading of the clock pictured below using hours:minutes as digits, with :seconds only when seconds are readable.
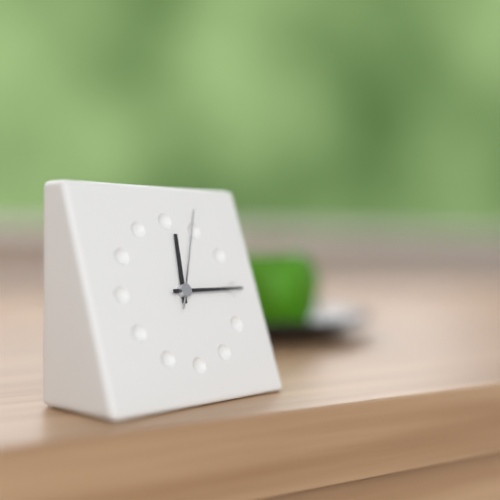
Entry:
12:15:04
